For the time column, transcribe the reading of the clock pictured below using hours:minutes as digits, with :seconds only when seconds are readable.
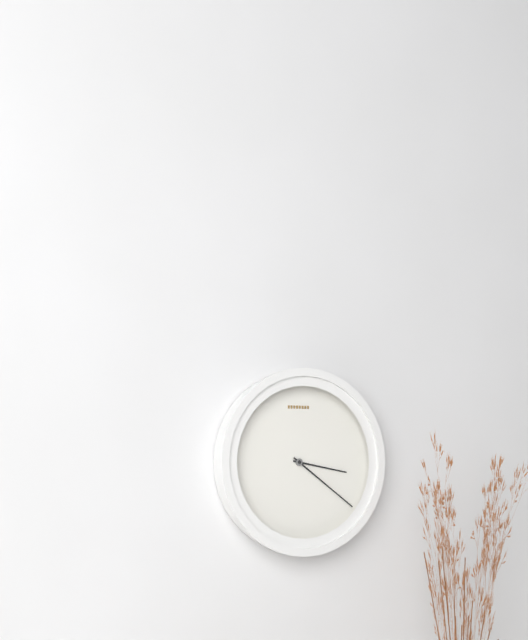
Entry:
3:21
